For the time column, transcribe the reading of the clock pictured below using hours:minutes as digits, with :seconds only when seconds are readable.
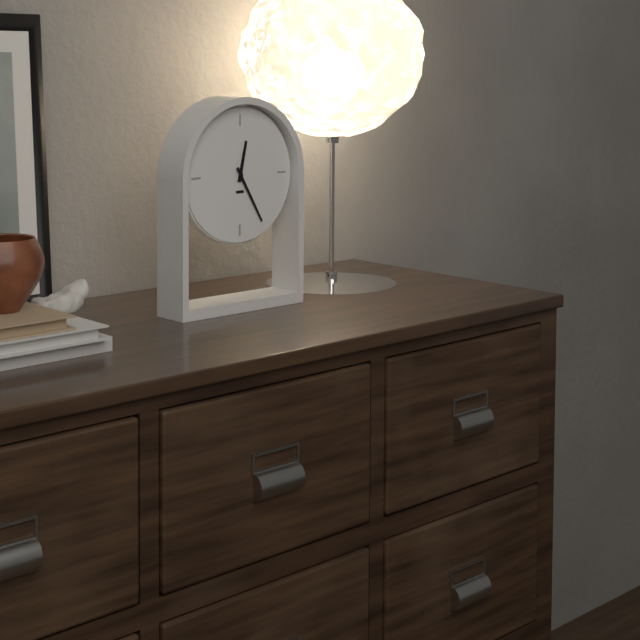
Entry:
12:25
